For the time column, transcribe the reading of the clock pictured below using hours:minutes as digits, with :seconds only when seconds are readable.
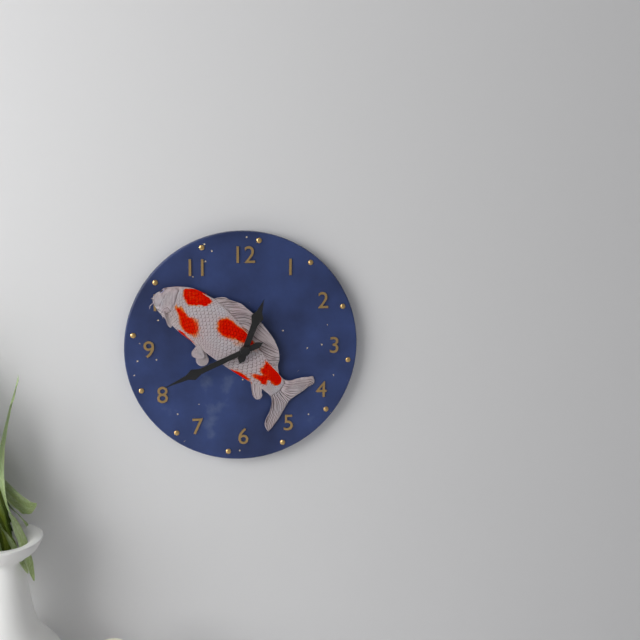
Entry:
12:41
